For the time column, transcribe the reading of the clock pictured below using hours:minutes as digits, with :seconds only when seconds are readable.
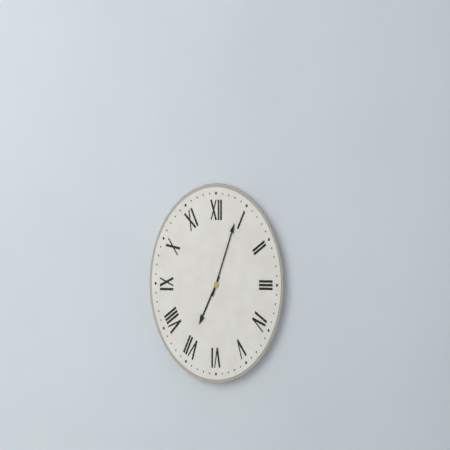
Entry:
7:04
